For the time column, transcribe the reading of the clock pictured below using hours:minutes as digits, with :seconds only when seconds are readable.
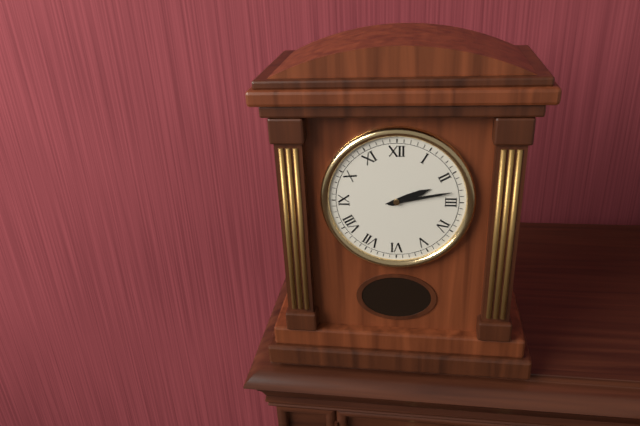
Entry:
2:13
